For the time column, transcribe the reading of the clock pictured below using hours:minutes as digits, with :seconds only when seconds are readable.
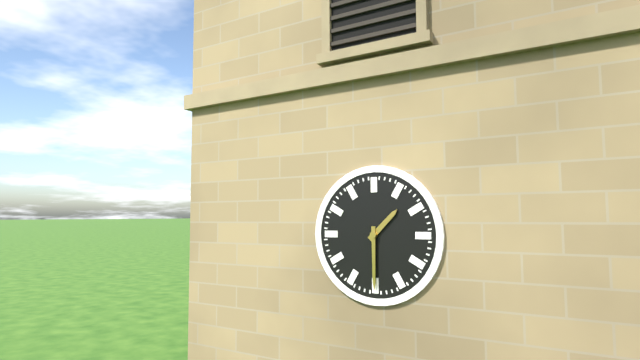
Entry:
1:30
